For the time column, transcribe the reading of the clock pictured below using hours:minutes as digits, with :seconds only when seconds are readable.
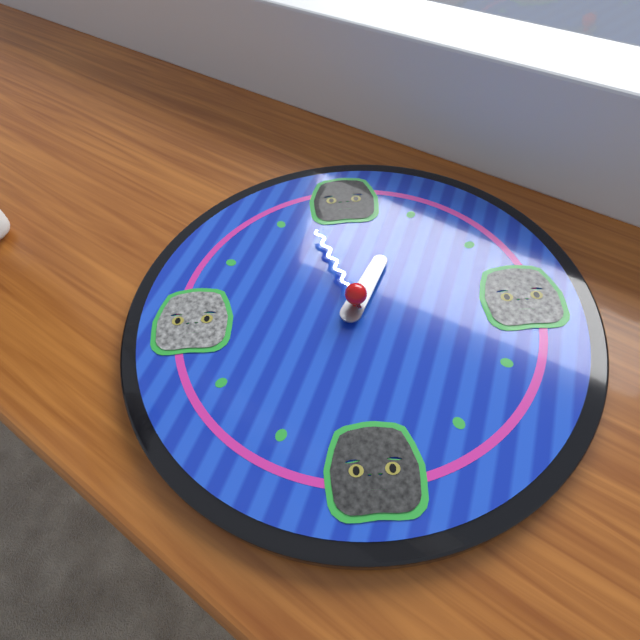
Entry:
12:57
